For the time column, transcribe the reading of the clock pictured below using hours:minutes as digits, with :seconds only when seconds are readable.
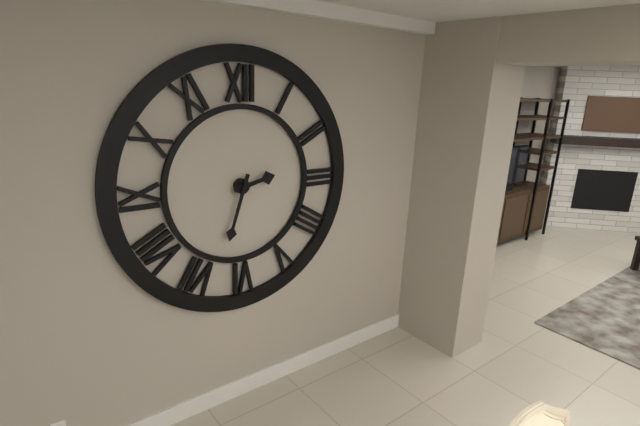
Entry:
2:33
